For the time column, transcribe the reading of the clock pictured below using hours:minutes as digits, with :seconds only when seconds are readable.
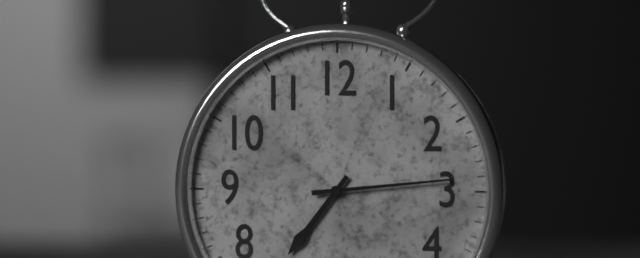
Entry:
7:14
